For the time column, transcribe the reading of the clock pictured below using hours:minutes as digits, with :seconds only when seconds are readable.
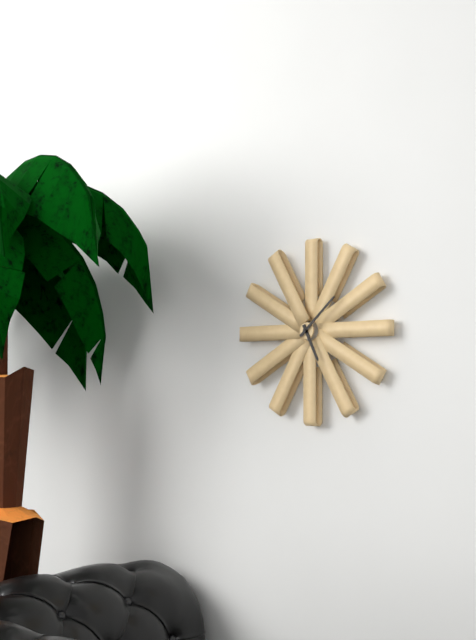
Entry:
5:08
